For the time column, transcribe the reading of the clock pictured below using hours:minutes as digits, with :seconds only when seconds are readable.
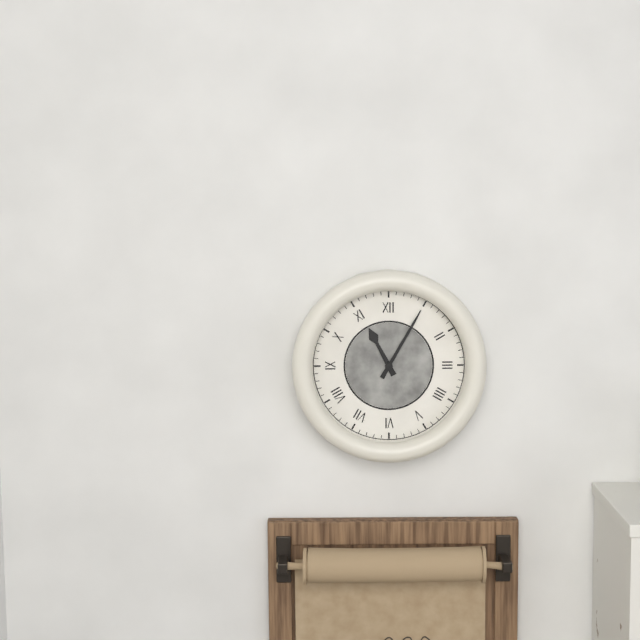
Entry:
11:05
